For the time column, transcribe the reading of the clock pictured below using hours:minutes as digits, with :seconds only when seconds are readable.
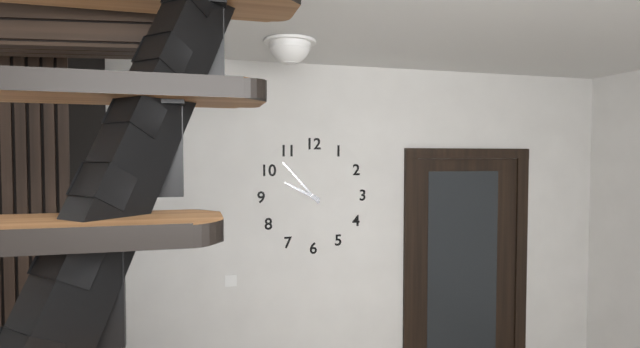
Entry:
9:53
